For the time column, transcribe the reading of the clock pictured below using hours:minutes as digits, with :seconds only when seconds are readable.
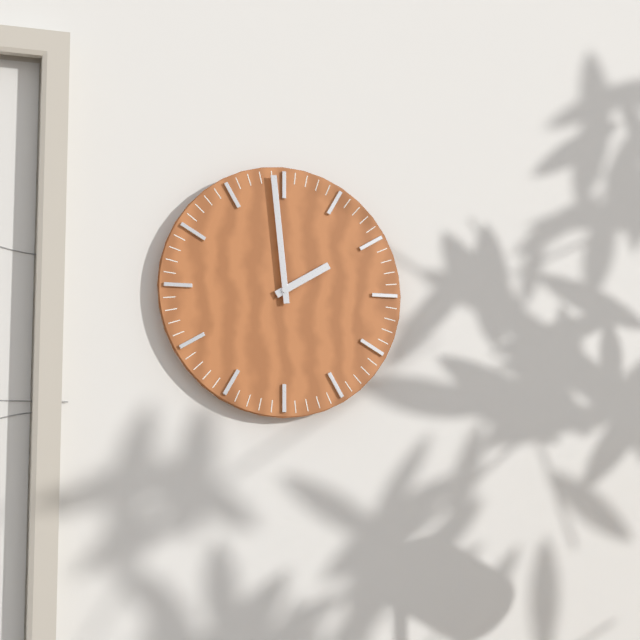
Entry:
1:59
